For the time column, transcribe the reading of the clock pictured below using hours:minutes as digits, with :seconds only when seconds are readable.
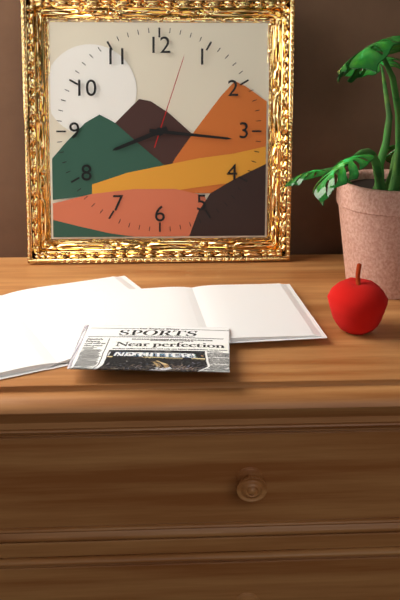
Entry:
8:16:03
